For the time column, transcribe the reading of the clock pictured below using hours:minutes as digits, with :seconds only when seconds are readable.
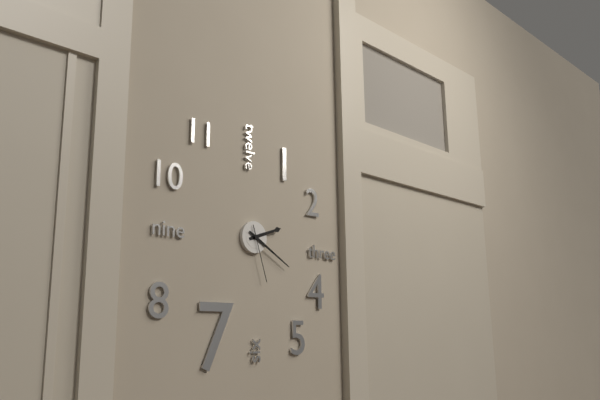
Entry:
2:20:27
